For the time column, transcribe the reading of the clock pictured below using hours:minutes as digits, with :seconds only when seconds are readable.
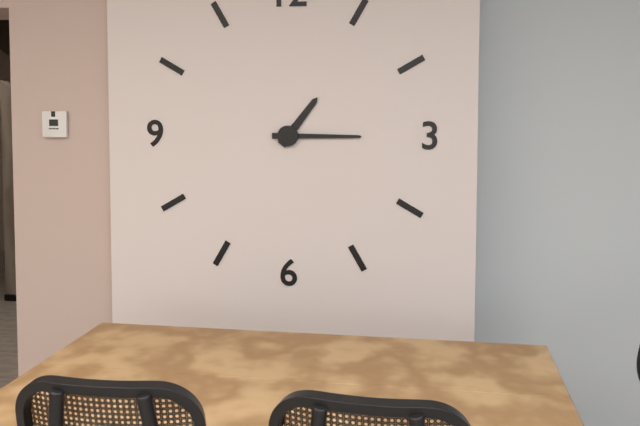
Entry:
1:15
